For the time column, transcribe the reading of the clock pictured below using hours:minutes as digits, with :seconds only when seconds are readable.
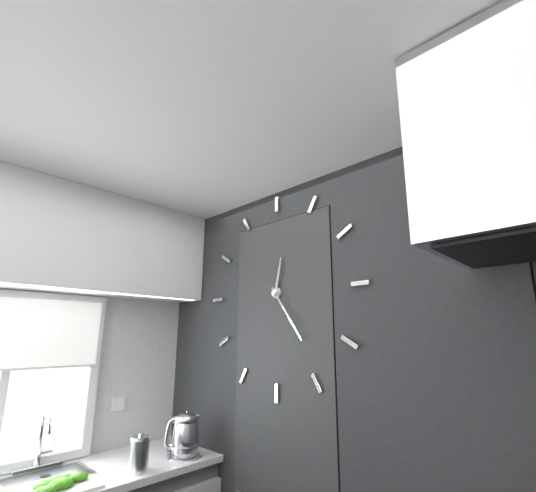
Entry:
12:24
